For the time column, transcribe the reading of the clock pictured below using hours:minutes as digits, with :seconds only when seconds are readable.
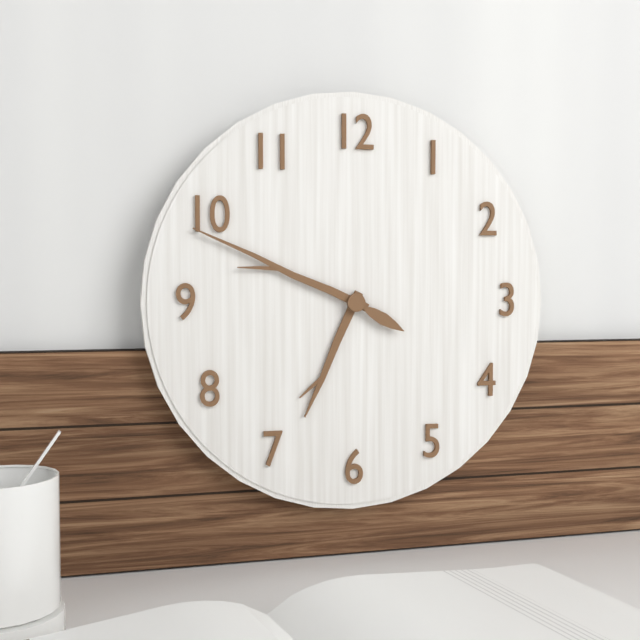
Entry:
6:49:20
